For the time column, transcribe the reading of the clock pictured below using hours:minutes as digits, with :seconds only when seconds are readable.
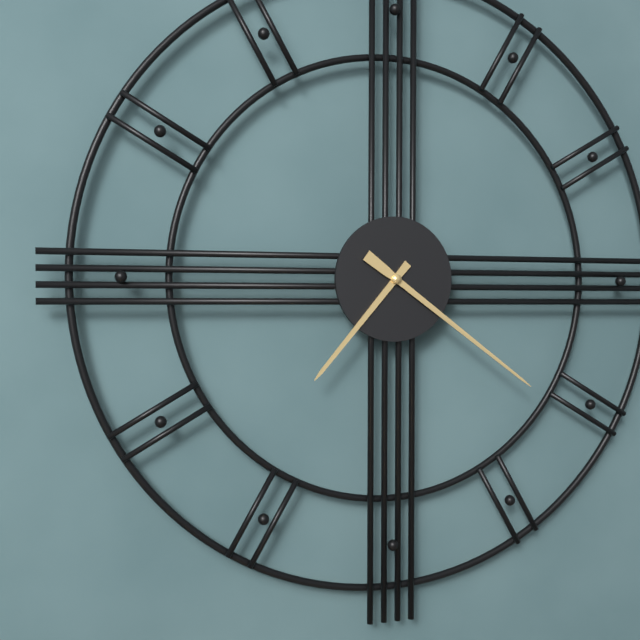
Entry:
7:21
